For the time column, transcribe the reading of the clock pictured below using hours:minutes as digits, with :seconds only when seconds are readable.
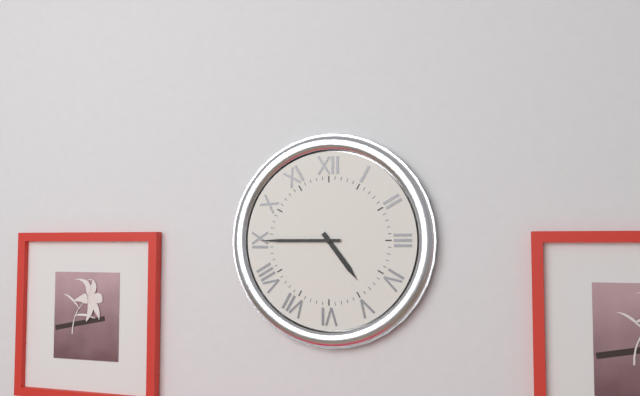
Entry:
4:45
